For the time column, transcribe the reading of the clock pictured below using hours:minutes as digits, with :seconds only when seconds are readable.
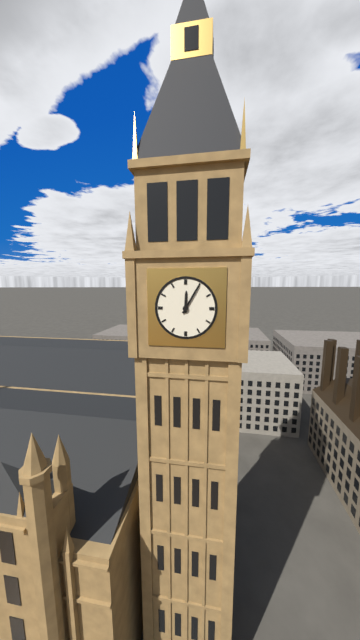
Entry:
12:05
